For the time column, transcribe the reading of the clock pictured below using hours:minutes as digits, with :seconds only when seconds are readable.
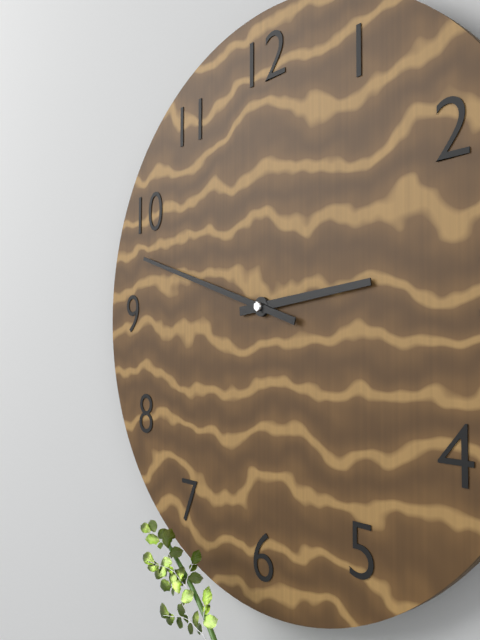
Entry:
2:48
